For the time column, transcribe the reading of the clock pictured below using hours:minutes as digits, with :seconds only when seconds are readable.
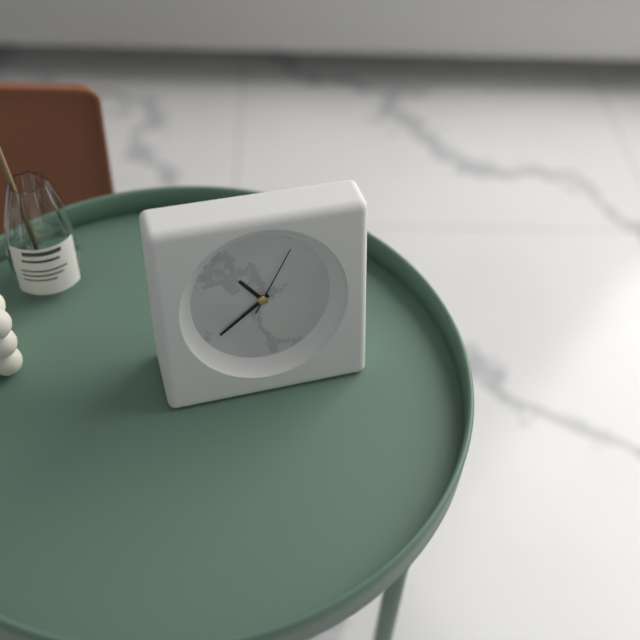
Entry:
10:39:05
